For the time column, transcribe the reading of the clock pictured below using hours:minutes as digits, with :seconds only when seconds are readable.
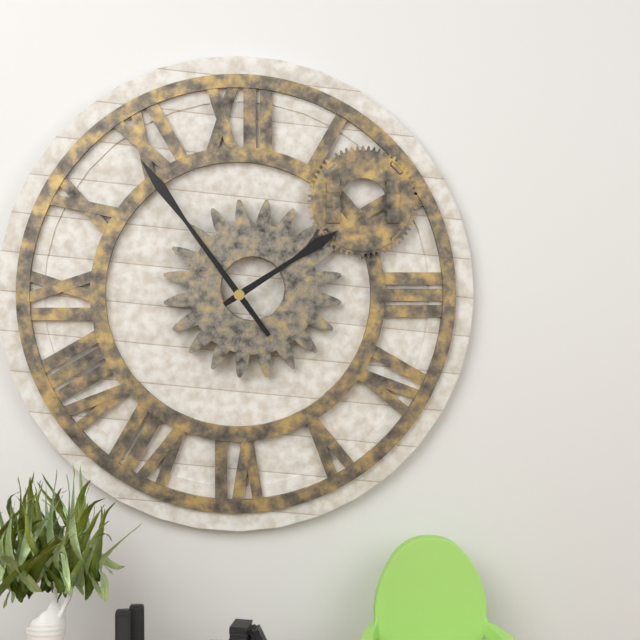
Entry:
1:54
